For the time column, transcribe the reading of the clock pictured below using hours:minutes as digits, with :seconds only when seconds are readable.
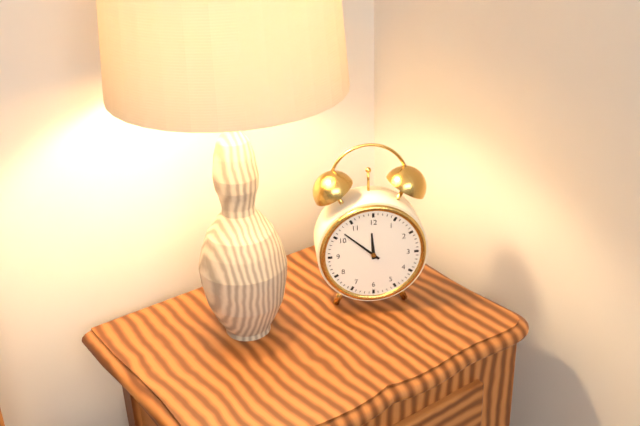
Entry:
11:52
